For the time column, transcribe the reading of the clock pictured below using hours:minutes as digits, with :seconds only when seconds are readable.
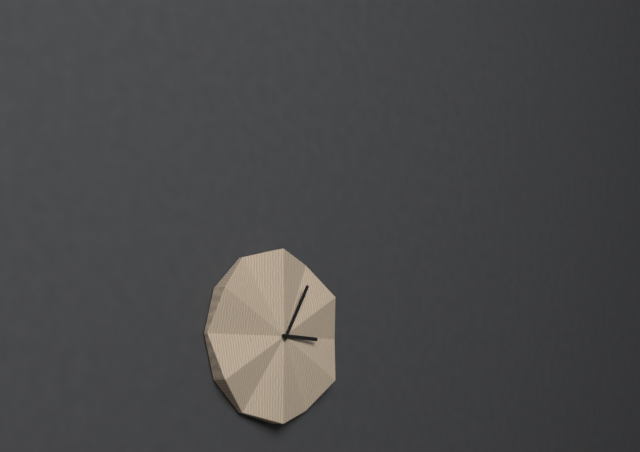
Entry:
3:05
